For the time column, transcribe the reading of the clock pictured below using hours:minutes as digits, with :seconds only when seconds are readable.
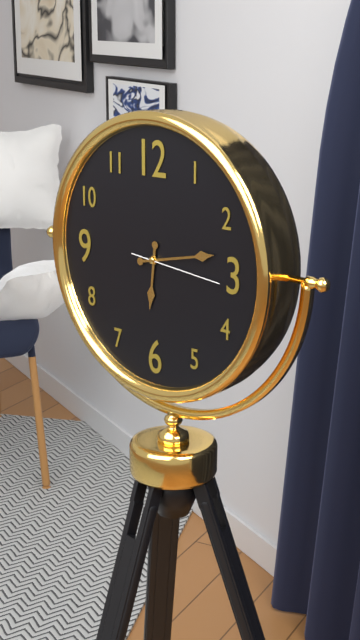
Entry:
6:13:16
